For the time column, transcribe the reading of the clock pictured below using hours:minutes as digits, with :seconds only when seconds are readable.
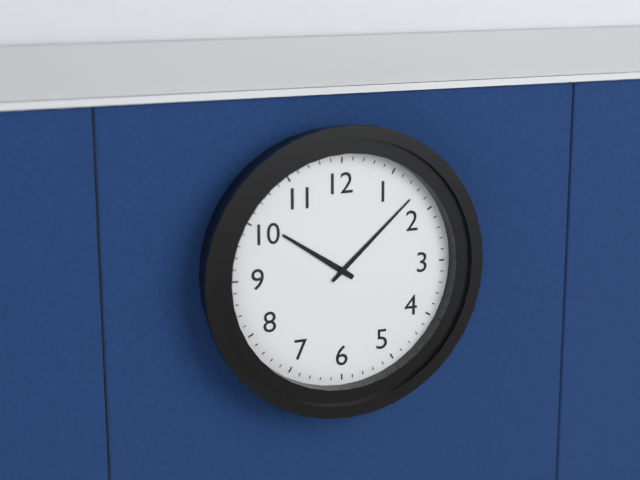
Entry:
10:08
